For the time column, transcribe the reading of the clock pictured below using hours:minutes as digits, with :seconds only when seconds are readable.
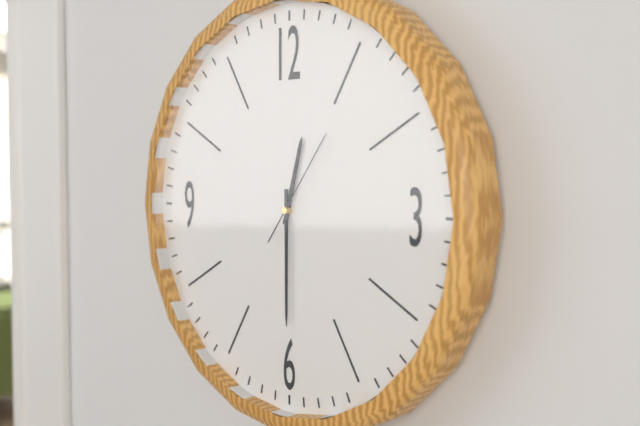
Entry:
12:30:06
